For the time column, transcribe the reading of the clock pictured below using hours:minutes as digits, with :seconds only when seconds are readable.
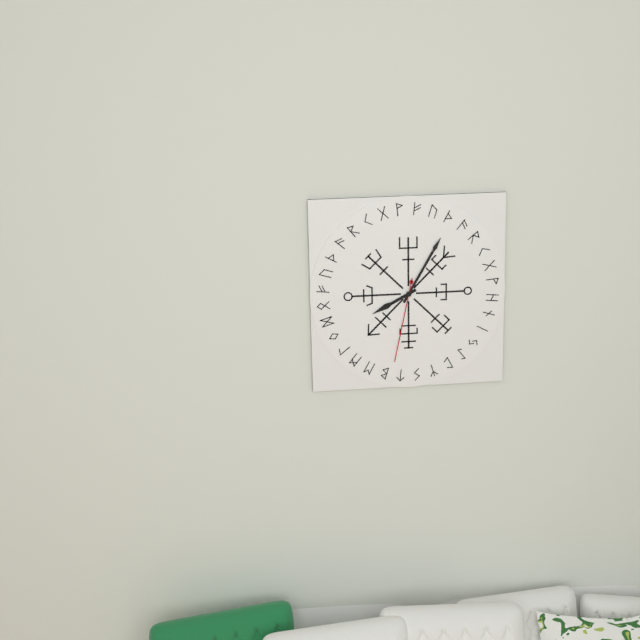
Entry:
8:05:32
